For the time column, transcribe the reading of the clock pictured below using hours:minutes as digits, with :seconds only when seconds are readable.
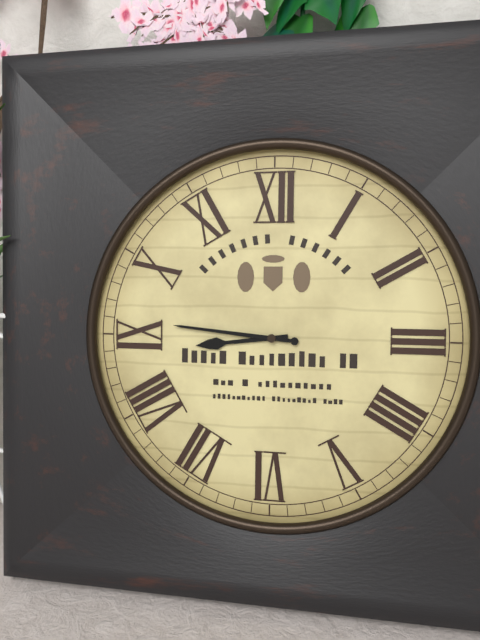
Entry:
8:46
